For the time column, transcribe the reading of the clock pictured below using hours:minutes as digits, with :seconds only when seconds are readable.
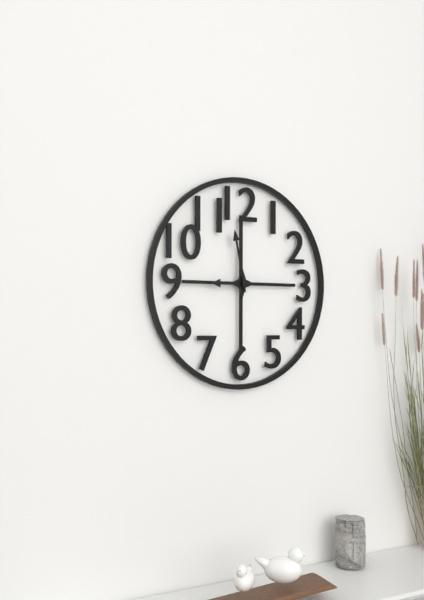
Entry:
8:58
